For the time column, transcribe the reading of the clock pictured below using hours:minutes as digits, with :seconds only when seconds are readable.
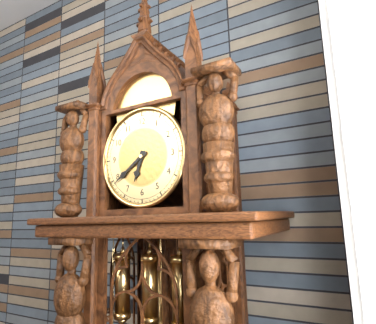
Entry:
6:39
